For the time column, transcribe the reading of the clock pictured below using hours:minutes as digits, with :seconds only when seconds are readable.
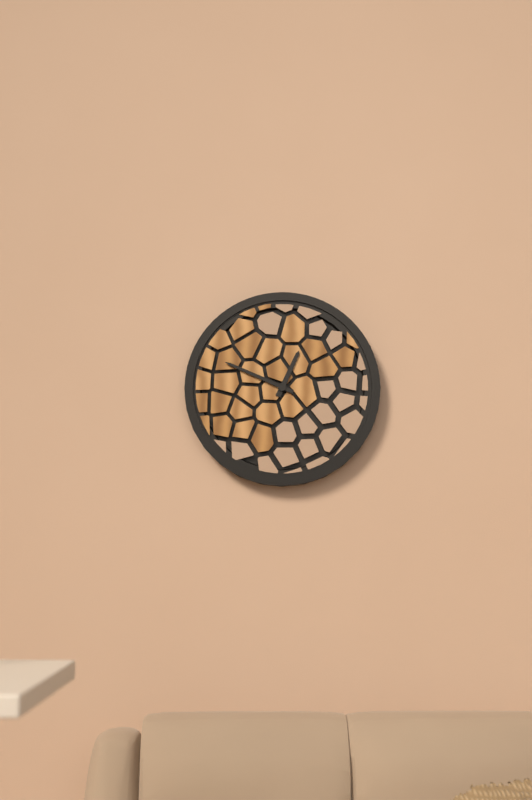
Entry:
12:49
